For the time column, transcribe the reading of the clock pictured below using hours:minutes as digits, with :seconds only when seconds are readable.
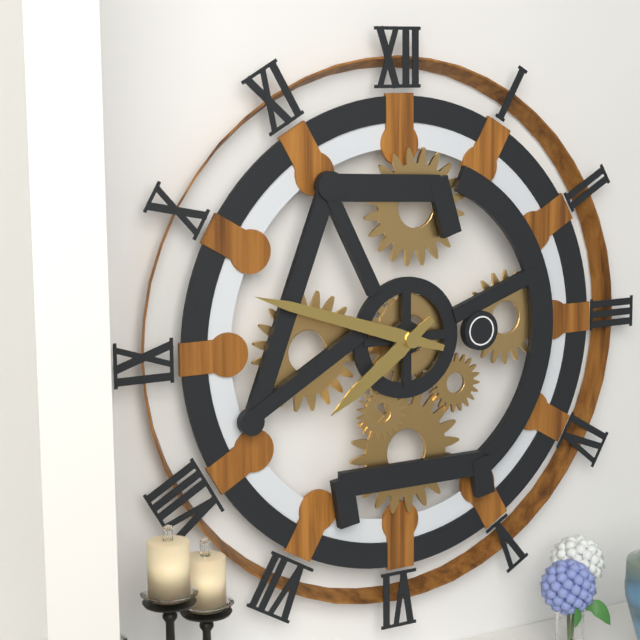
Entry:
7:48
